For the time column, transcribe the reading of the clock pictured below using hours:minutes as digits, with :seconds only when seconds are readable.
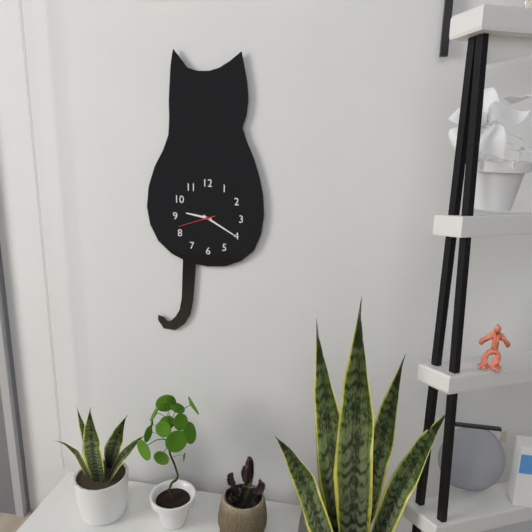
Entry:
9:20
